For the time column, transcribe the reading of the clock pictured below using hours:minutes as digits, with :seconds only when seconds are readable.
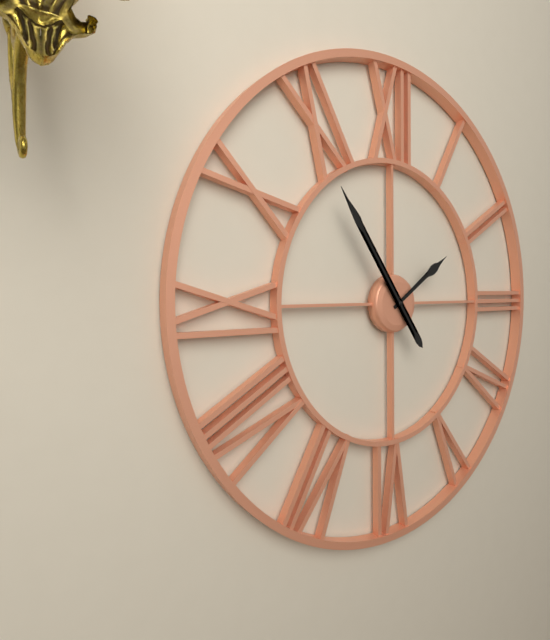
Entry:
1:54
